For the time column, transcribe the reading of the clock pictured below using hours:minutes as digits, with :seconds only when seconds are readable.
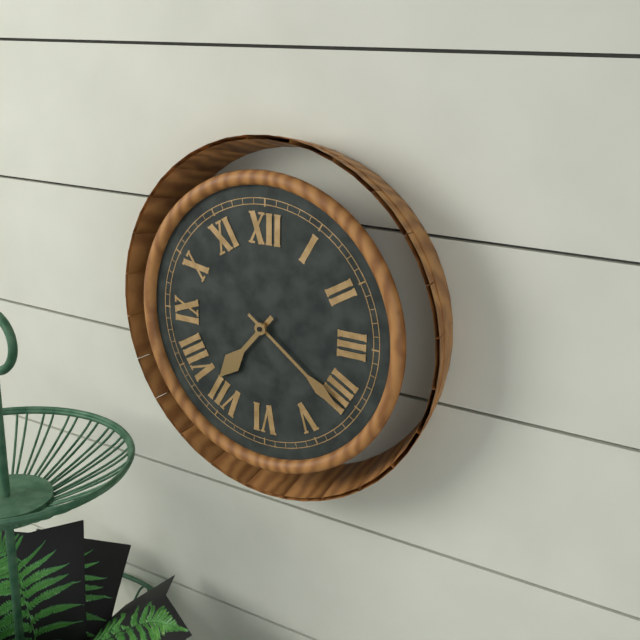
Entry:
7:21
